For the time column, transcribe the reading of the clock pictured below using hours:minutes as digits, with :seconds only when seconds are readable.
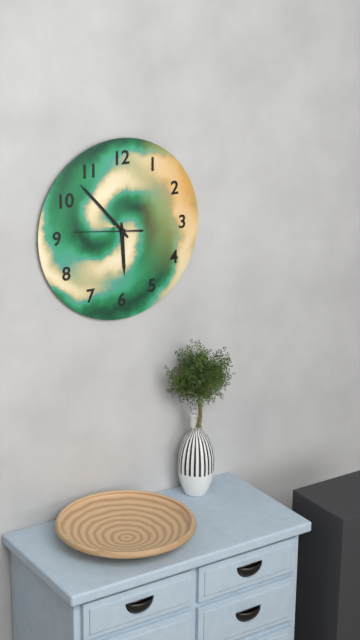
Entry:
5:53:46
